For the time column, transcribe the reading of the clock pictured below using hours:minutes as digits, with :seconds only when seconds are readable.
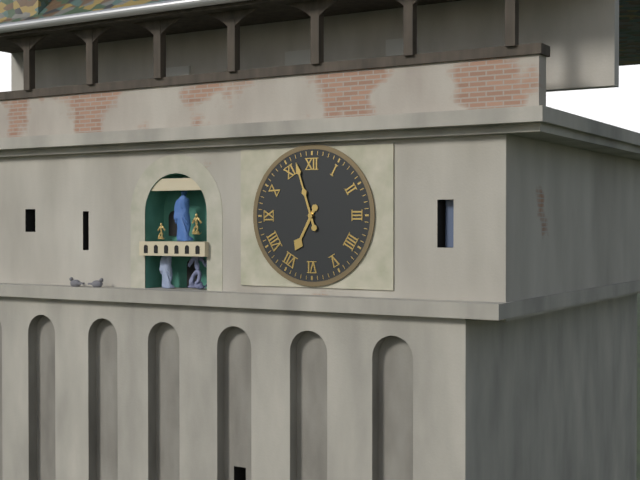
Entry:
6:57
